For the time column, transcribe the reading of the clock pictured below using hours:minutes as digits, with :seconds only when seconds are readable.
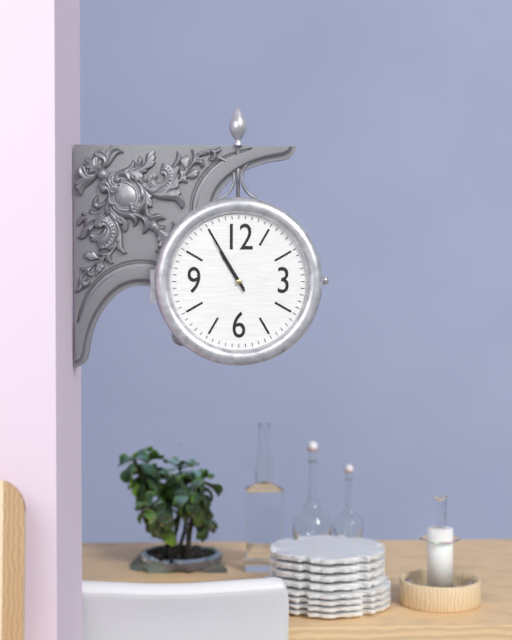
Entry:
10:55
